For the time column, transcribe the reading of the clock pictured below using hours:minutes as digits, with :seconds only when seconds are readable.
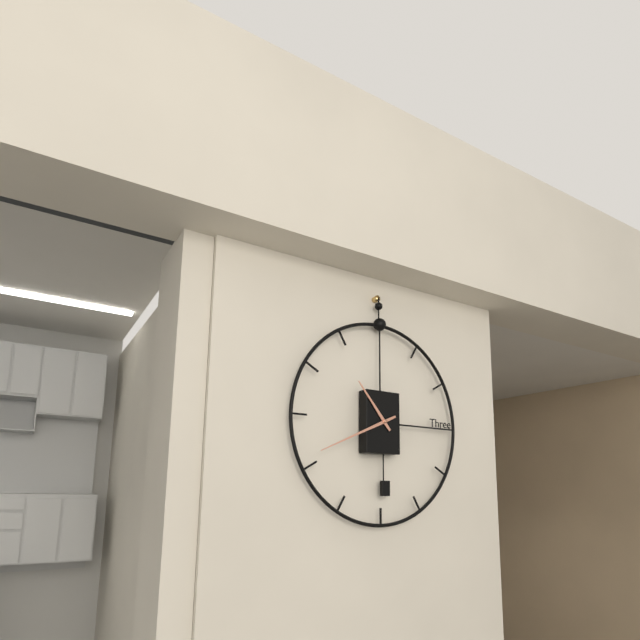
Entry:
10:41
